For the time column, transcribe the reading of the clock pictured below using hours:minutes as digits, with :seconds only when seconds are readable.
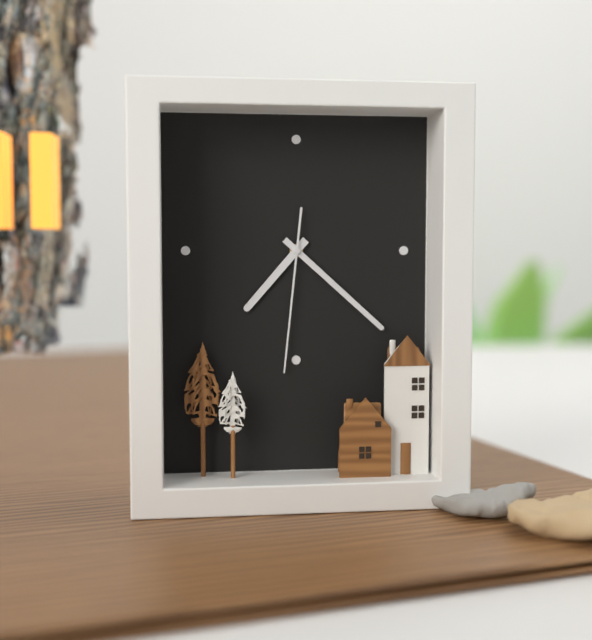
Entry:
7:22:31
